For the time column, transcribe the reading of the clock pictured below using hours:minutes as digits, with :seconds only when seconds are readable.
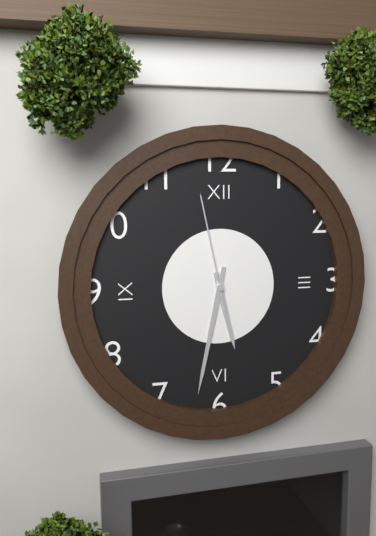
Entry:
5:32:58
